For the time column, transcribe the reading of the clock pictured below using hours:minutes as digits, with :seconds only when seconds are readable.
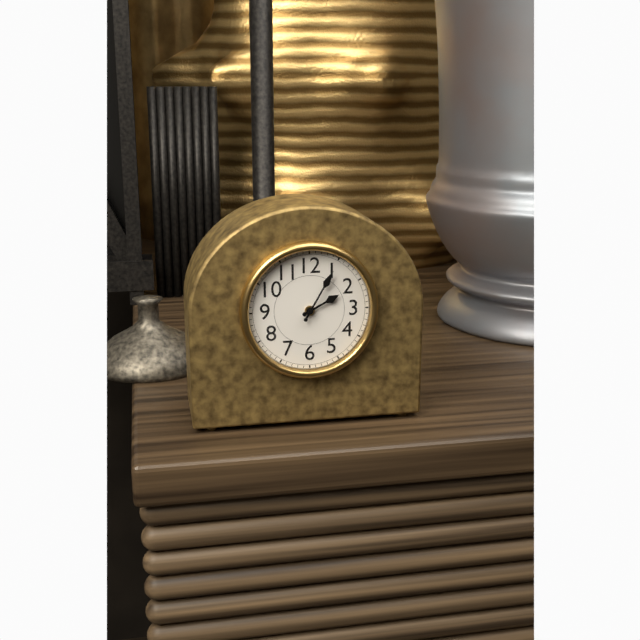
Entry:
2:05
